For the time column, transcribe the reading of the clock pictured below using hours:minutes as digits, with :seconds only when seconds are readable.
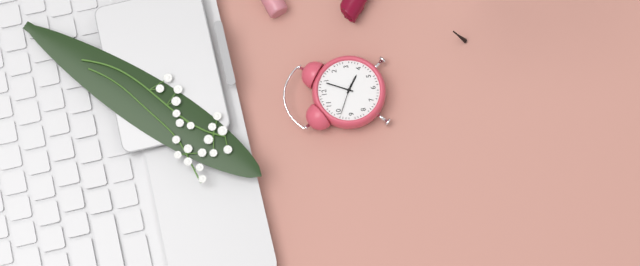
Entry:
4:04
